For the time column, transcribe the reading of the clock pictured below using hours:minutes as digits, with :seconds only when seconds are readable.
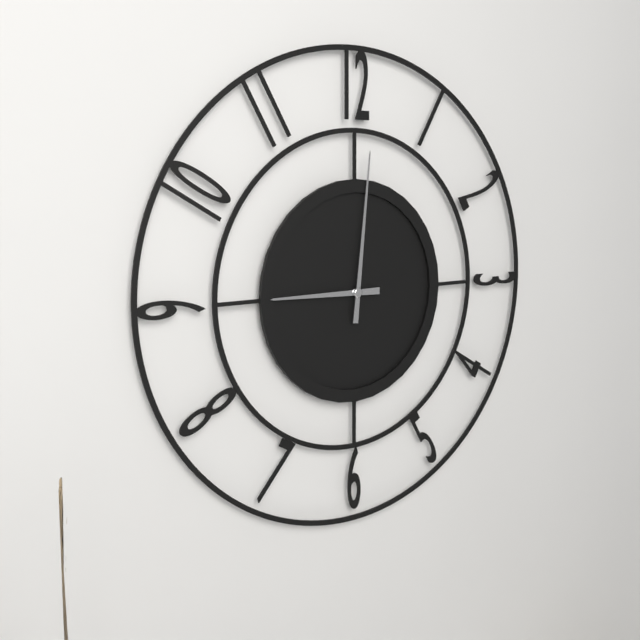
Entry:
9:01
